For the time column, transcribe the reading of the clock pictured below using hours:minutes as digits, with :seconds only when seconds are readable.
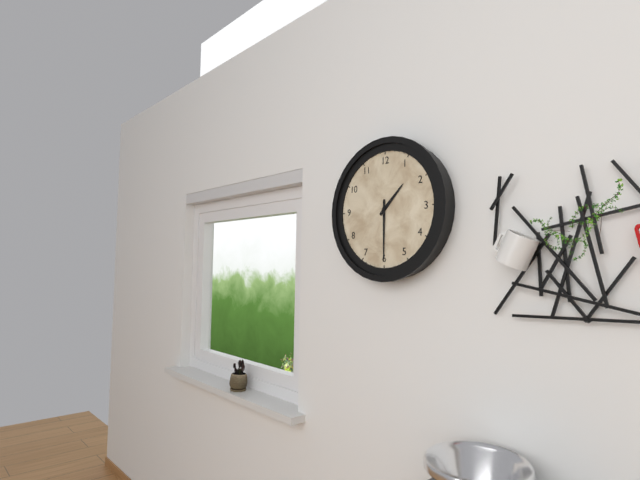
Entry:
1:30
